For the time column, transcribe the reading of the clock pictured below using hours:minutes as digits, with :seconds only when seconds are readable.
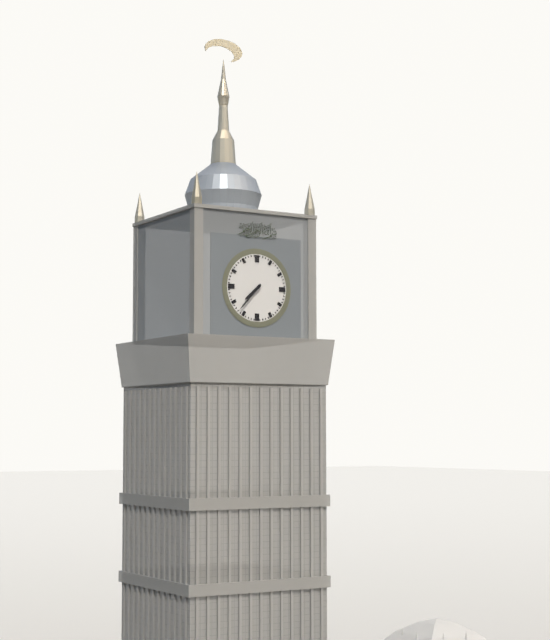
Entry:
7:37
